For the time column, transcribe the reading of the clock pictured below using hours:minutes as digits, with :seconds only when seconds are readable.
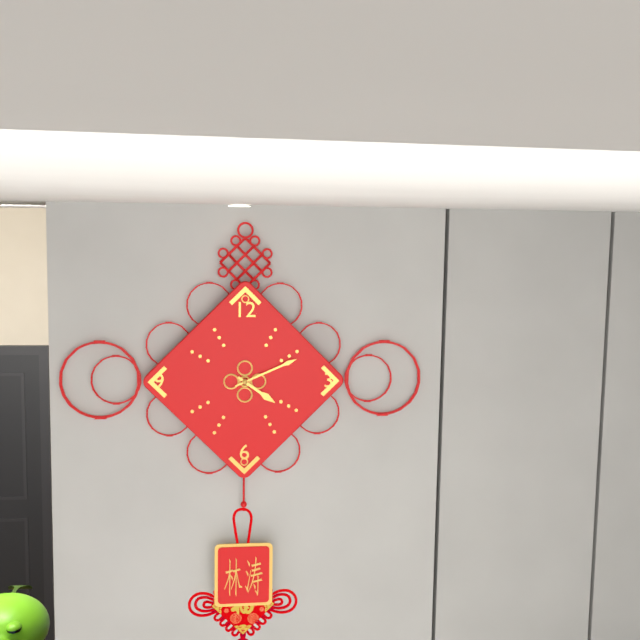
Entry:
4:11
